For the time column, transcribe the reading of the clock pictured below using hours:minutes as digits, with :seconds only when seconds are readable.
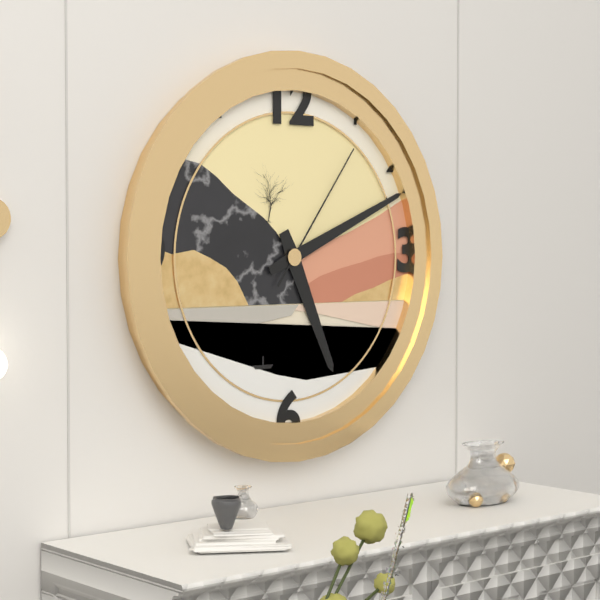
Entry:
5:11:06
